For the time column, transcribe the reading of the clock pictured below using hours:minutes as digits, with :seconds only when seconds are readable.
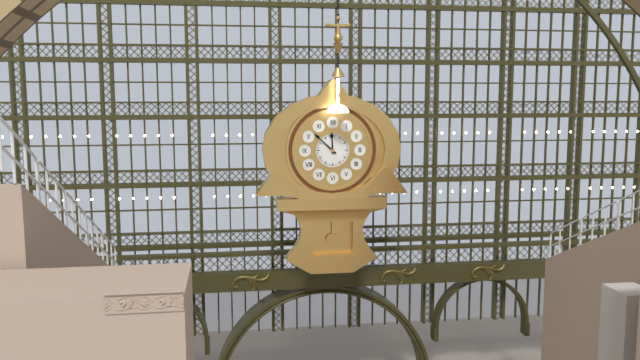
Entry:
11:52
